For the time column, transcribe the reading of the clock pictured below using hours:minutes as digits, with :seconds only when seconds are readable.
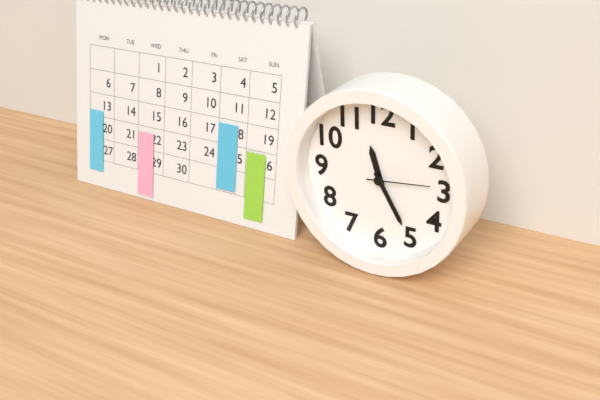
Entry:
11:25:14
